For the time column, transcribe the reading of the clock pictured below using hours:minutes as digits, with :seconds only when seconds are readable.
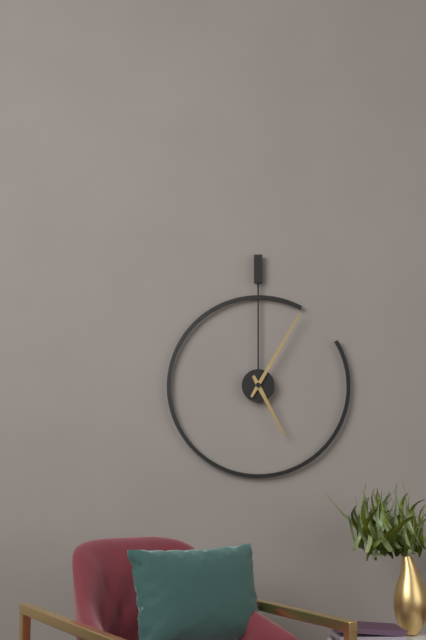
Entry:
5:05
